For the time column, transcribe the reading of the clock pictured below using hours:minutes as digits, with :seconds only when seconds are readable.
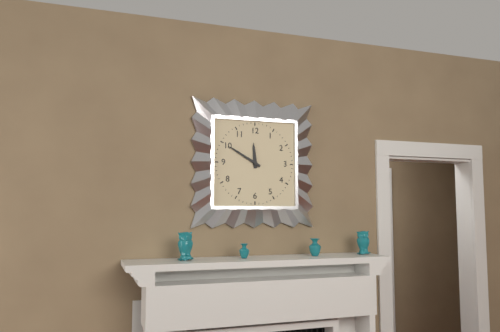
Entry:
11:50
